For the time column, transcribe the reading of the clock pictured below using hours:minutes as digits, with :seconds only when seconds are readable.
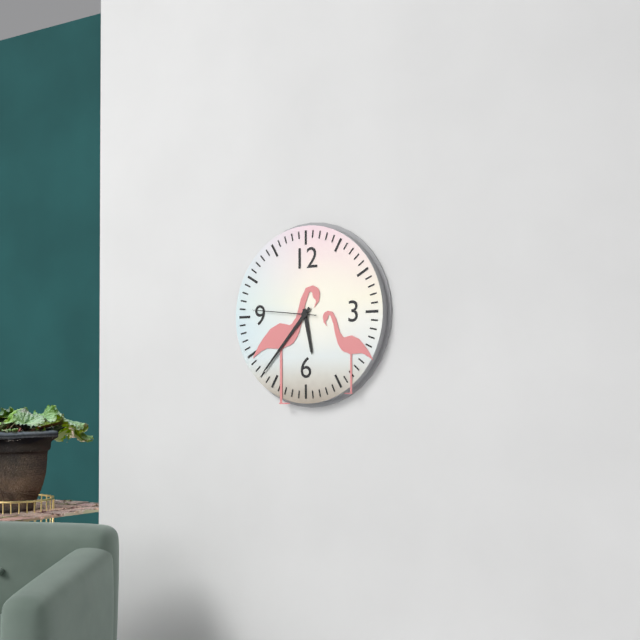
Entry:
5:37:46
